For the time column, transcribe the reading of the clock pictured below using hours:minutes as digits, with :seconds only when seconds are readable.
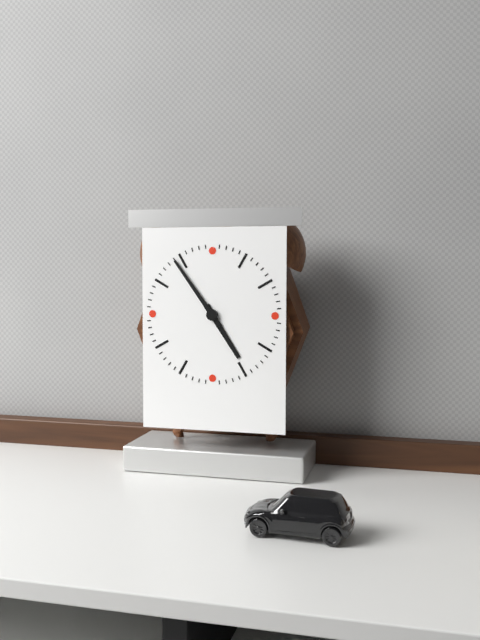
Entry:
4:54
